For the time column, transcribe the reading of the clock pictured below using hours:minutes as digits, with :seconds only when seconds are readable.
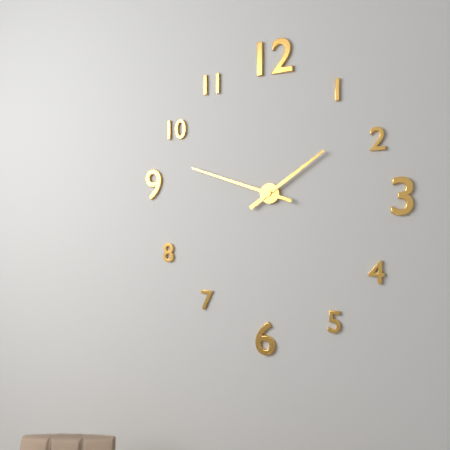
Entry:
1:48
